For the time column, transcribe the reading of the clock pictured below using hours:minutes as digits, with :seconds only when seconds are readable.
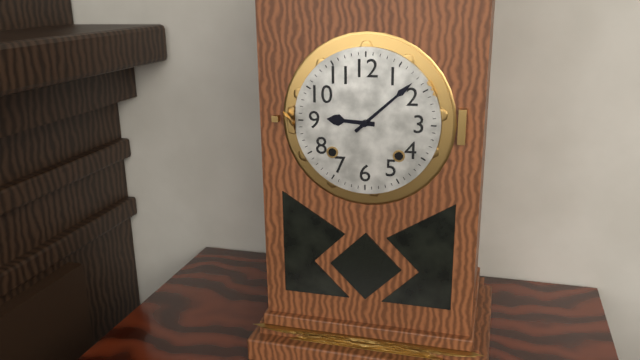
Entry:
9:08
